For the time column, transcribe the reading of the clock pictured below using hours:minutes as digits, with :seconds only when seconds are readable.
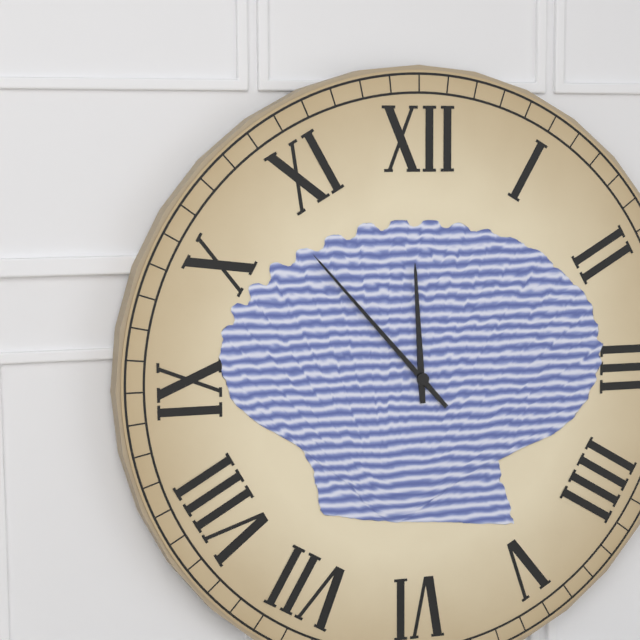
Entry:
11:53
